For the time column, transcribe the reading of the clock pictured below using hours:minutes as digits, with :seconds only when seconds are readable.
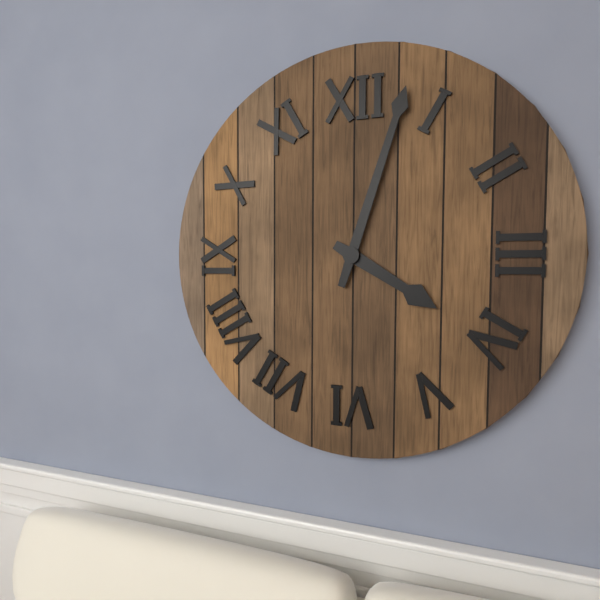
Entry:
4:03
